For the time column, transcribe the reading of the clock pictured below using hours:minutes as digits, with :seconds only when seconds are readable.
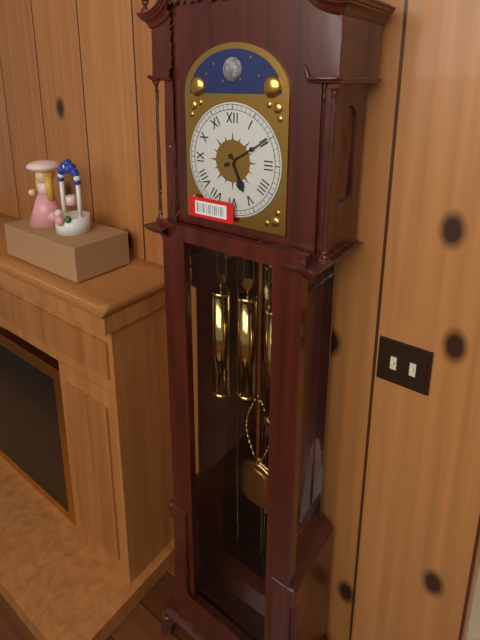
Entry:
5:10
